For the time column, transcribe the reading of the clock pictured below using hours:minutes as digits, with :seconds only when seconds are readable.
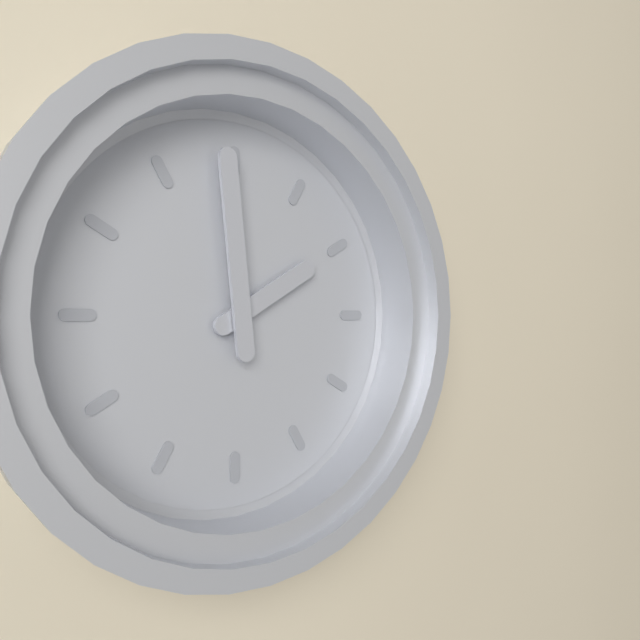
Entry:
1:59
